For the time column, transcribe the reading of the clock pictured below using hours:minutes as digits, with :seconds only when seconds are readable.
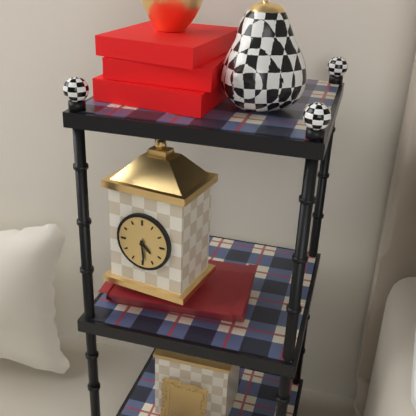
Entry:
4:29
